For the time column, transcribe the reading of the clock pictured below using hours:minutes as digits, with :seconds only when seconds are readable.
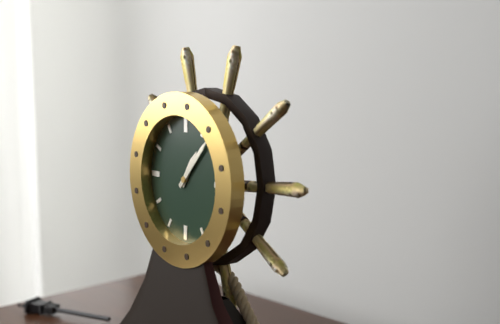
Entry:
1:07
